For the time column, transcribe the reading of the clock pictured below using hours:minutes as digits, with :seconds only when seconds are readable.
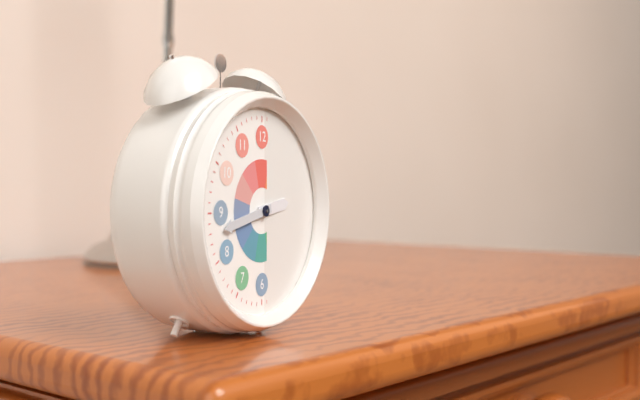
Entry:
2:43
